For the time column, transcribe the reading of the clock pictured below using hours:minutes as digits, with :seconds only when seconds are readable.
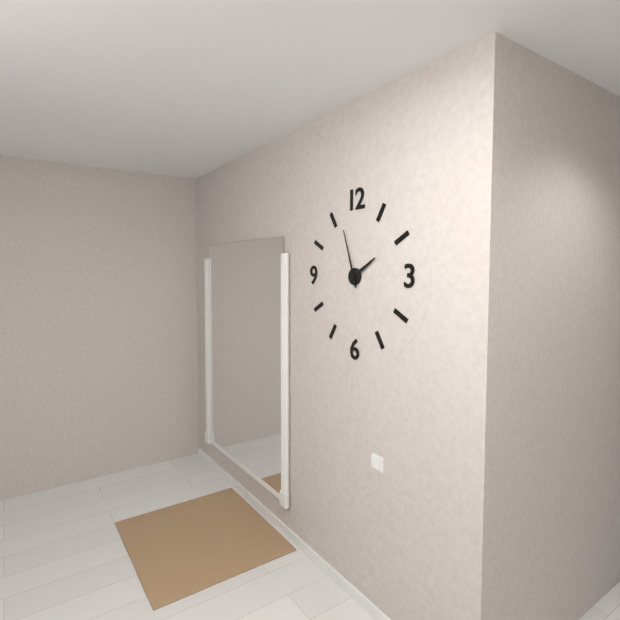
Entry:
1:57
